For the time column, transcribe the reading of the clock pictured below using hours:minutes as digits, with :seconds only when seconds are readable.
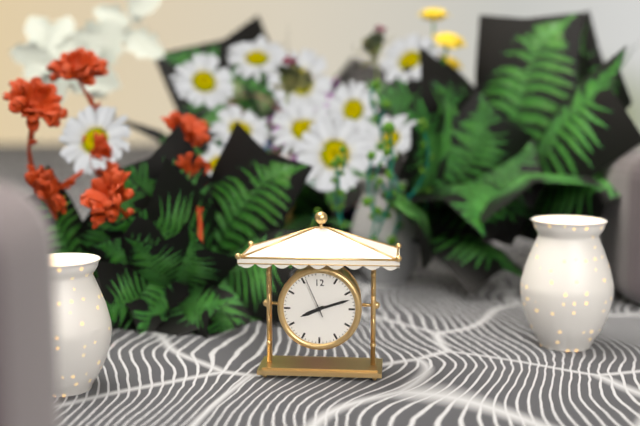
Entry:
8:12
